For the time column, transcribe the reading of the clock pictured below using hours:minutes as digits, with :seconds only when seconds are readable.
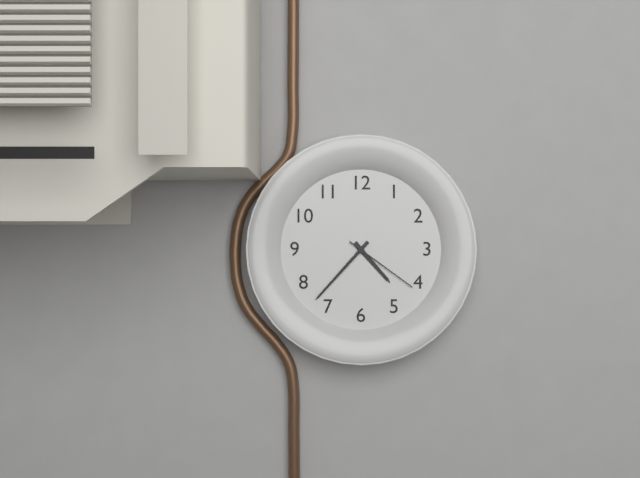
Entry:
4:37:21
